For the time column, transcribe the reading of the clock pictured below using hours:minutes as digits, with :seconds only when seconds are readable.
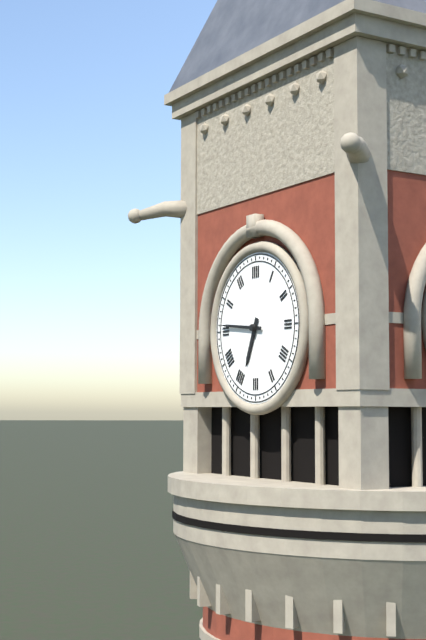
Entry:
6:46
